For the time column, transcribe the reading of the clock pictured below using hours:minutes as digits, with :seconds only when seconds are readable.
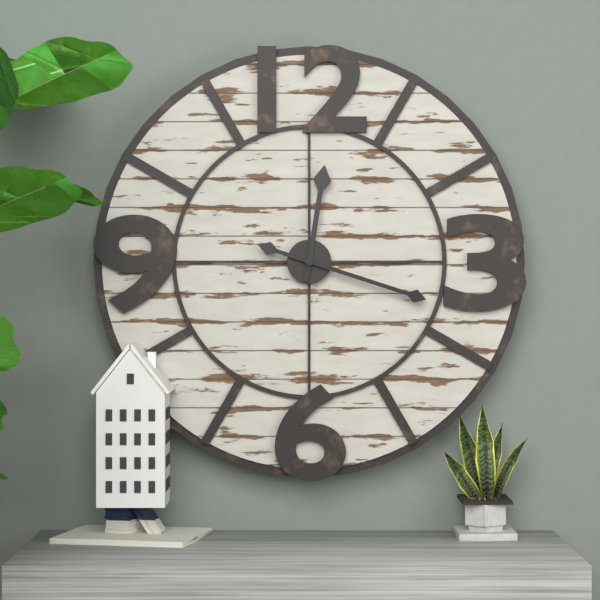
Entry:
12:18
